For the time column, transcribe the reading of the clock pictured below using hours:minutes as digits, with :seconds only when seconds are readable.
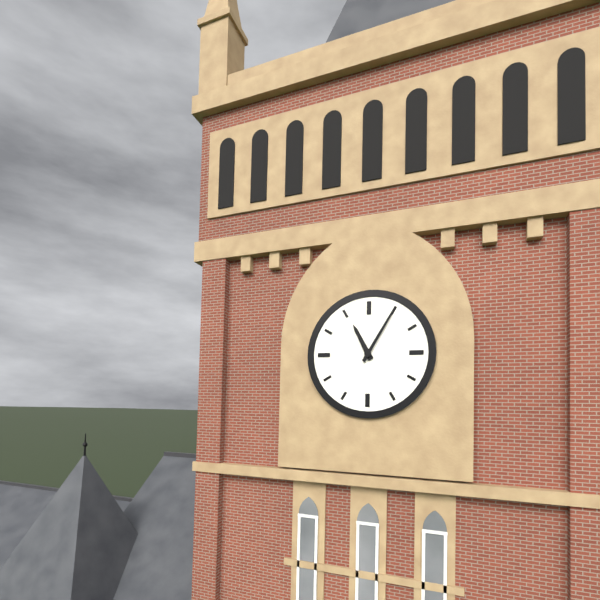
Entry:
11:05
